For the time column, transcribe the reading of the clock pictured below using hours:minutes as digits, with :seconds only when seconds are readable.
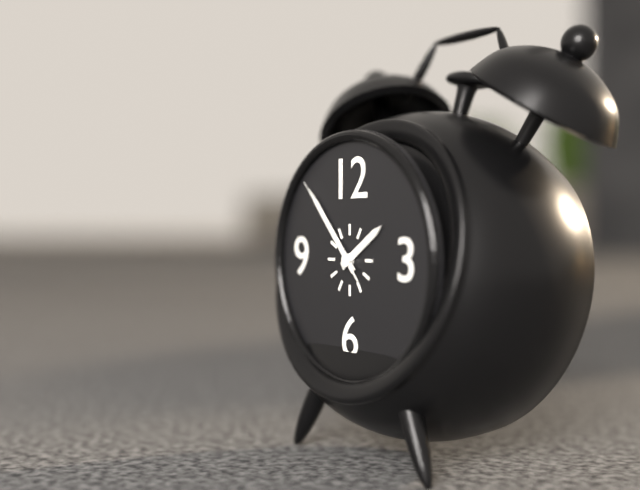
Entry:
1:53:53
